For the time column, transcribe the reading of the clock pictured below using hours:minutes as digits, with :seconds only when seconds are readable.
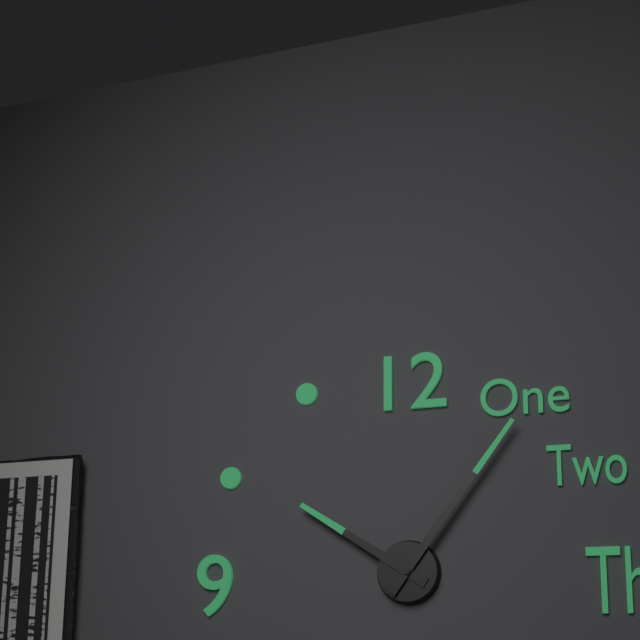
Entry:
10:06
